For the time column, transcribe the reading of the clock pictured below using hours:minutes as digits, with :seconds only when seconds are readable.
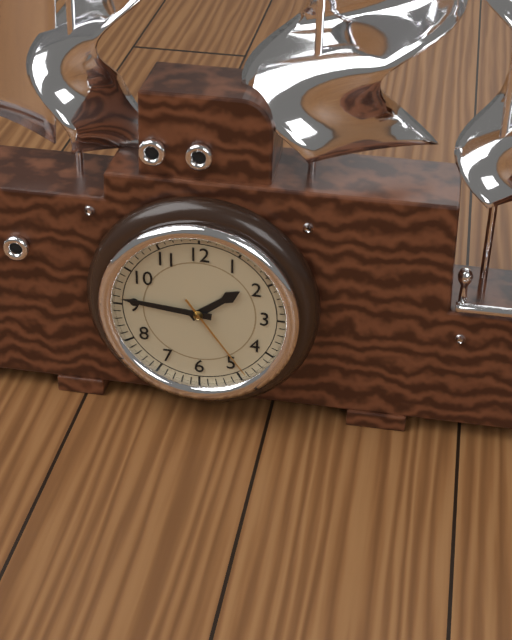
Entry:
1:46:24
